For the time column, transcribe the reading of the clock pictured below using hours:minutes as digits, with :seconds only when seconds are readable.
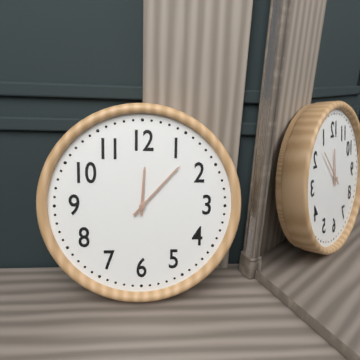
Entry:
12:07
